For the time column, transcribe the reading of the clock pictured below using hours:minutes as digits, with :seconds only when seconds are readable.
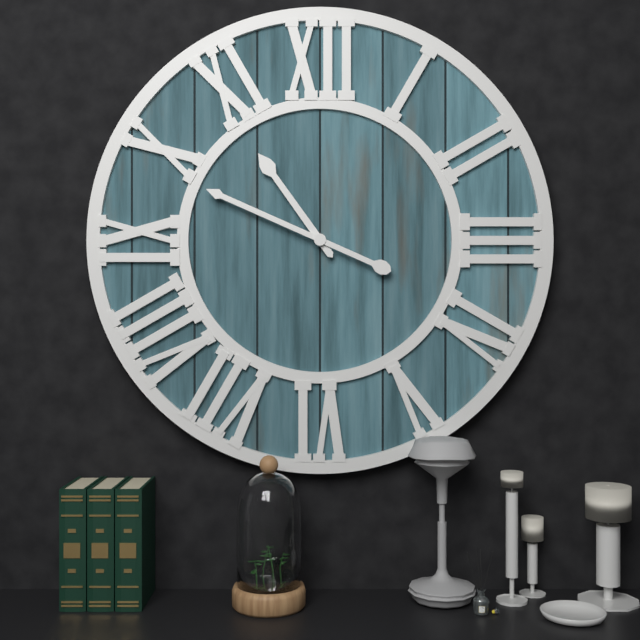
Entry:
10:49
